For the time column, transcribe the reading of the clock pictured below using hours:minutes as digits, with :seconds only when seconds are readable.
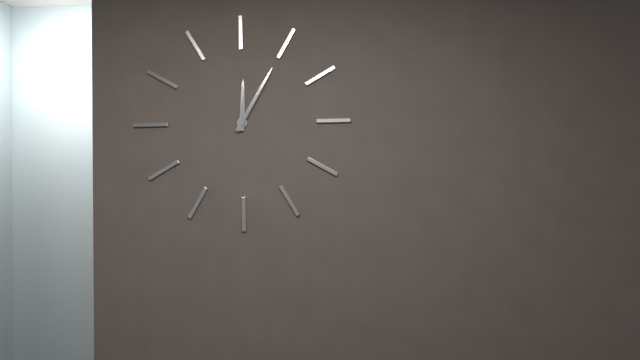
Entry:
12:05
